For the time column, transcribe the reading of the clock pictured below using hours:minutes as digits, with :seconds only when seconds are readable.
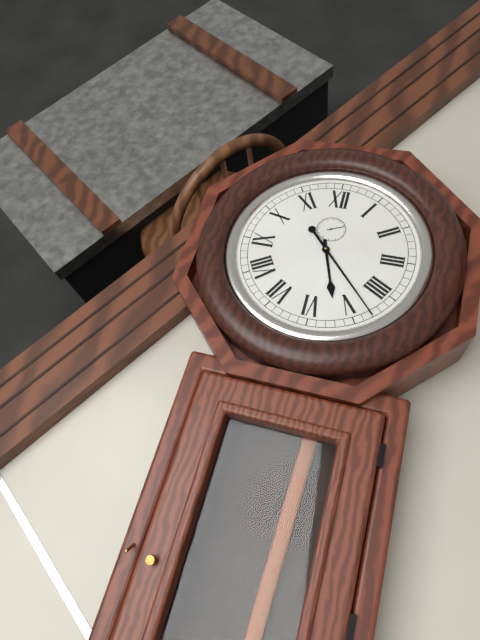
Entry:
5:23
